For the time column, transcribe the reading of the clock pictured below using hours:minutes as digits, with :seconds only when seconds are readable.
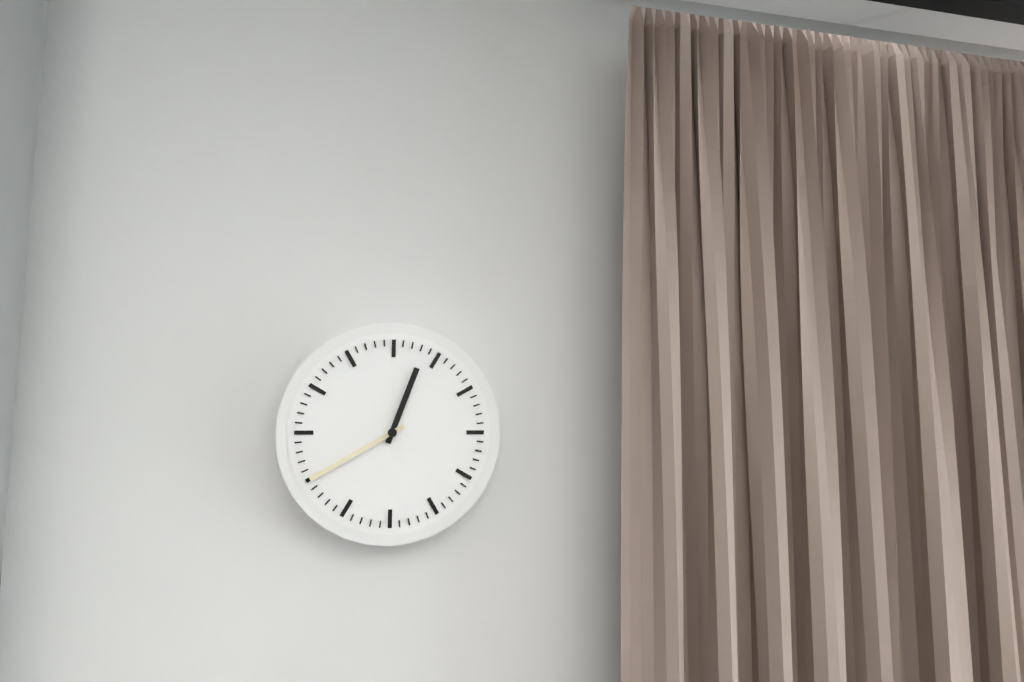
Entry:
12:40
